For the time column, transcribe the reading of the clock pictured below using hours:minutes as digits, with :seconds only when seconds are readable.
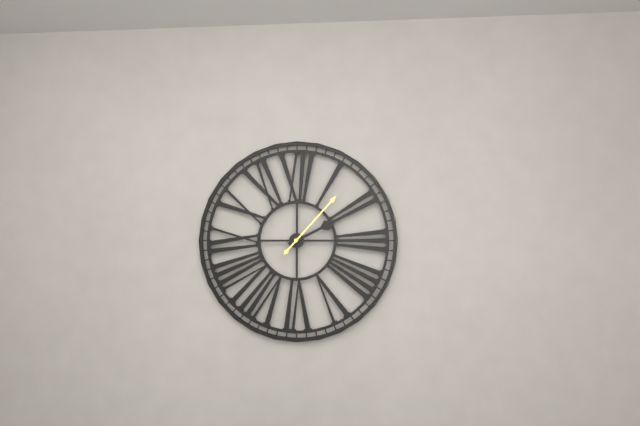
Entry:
2:07
